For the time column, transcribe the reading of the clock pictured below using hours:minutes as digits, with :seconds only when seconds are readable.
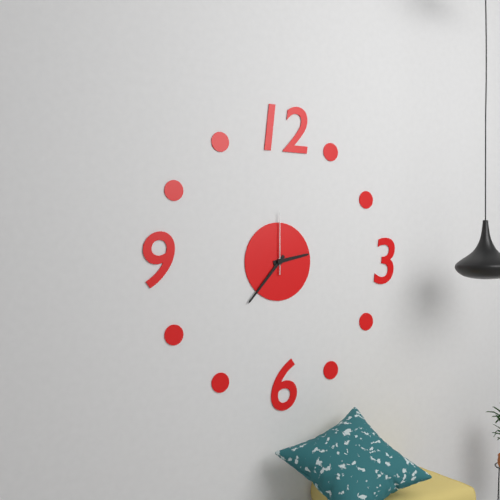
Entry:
2:37:00
